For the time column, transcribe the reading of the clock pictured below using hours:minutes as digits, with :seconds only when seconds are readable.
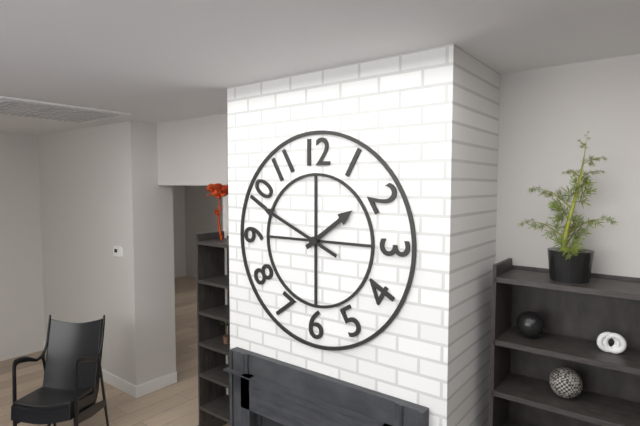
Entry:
1:49
